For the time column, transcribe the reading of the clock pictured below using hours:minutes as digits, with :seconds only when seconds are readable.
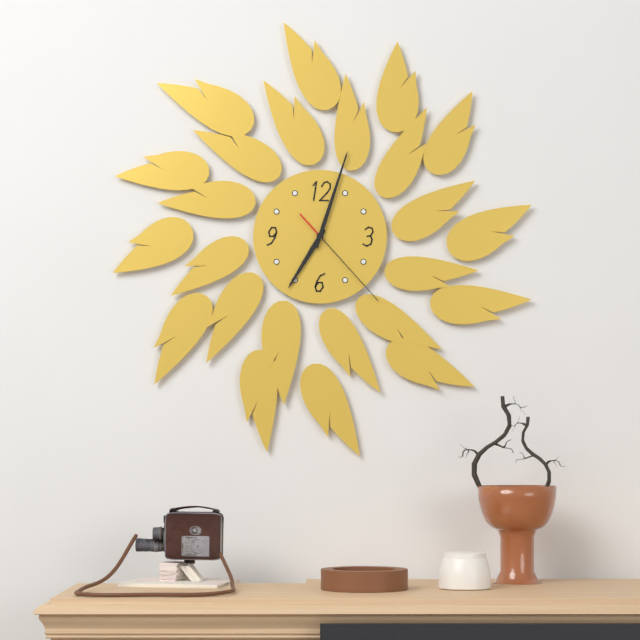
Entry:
7:03:23
